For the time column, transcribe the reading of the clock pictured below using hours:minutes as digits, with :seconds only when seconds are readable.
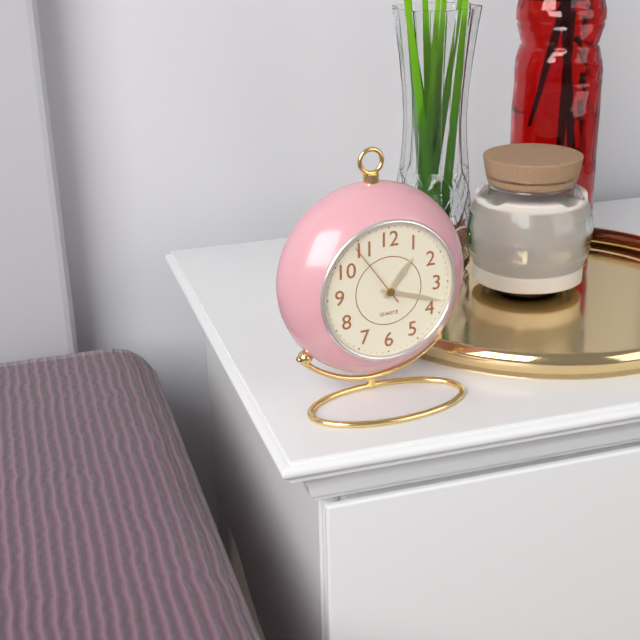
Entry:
1:18:54
